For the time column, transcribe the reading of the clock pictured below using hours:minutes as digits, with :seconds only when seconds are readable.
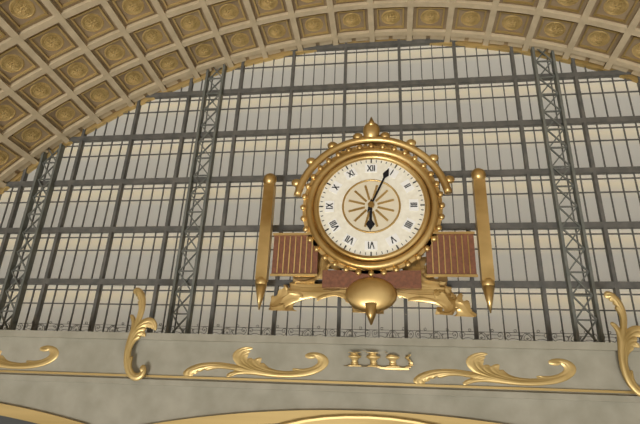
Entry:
6:04
